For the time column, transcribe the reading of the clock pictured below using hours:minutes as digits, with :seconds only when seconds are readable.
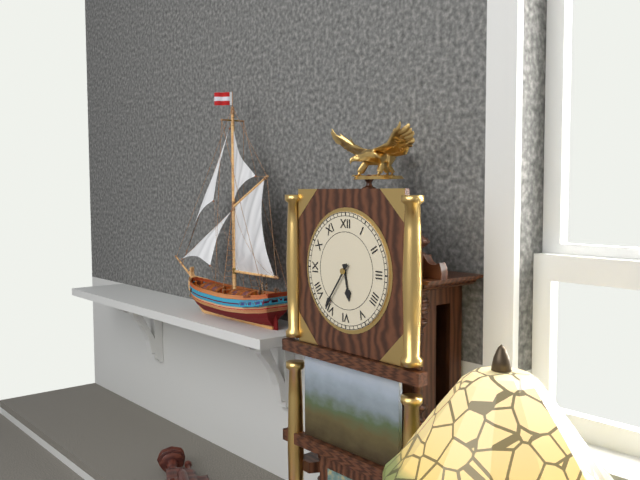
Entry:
5:36
